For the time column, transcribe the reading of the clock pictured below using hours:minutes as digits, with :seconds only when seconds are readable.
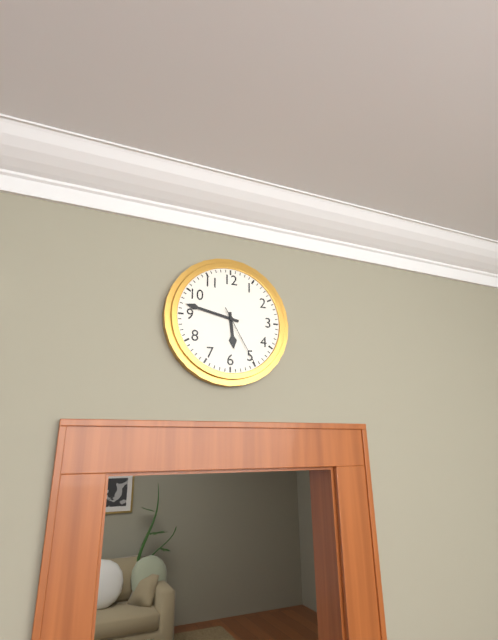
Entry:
5:47:25
